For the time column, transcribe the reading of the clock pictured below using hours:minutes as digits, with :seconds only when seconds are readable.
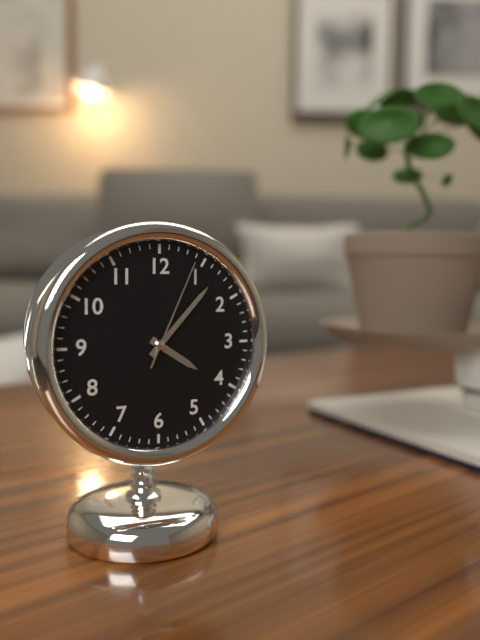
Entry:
4:07:04
